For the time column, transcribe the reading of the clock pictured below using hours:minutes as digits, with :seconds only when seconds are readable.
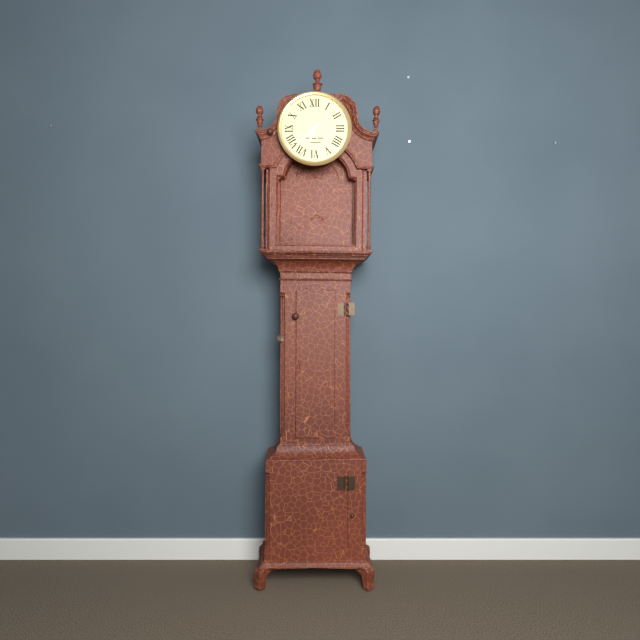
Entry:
6:38
